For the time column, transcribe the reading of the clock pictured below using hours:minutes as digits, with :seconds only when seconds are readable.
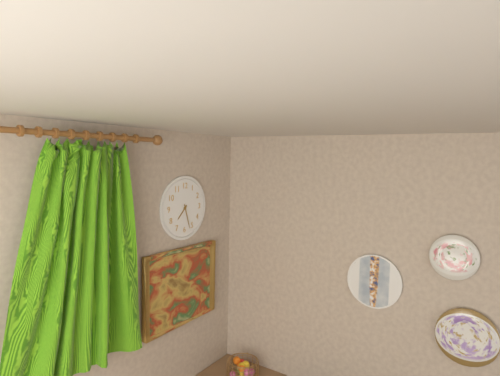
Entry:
7:27
